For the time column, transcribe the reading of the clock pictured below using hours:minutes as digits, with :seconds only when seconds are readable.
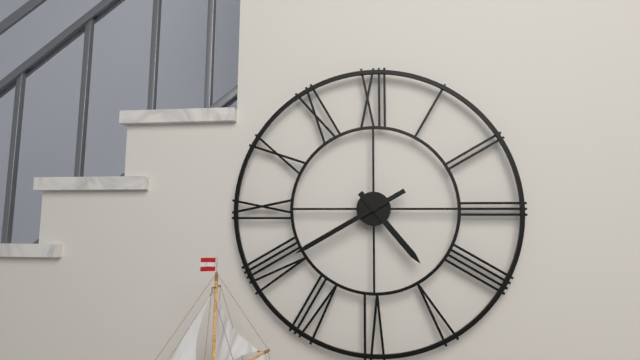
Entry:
4:40
